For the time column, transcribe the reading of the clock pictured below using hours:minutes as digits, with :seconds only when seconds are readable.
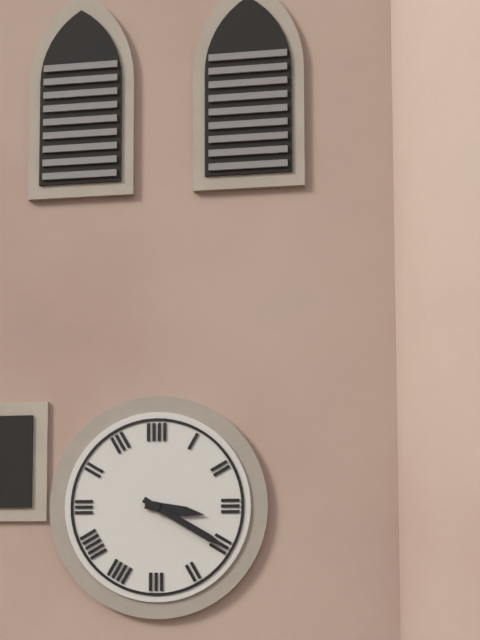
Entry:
3:20
